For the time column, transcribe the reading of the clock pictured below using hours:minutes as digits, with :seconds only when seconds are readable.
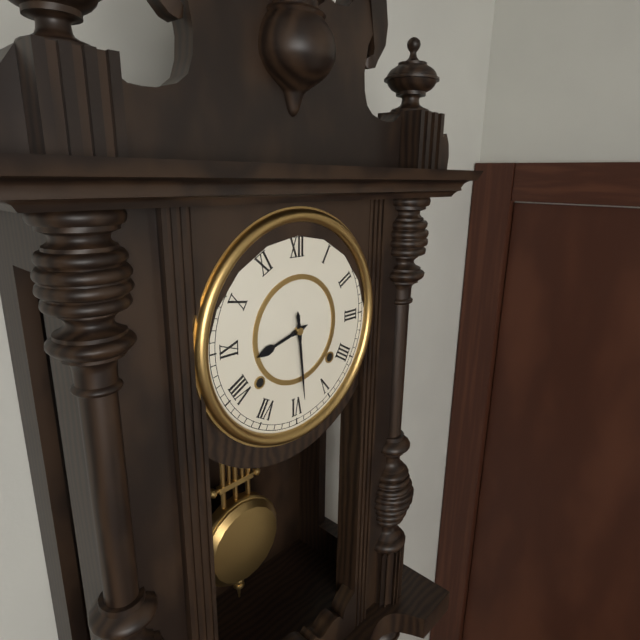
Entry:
8:29
